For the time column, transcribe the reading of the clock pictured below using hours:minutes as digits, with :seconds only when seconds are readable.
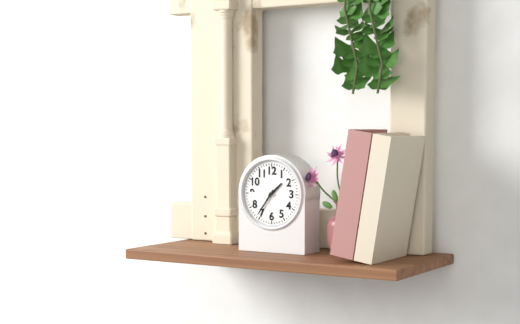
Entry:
1:36
